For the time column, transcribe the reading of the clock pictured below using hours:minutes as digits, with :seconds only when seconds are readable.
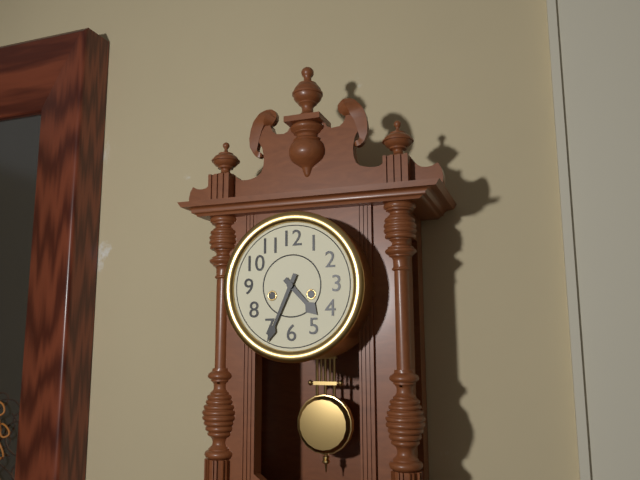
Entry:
4:34
